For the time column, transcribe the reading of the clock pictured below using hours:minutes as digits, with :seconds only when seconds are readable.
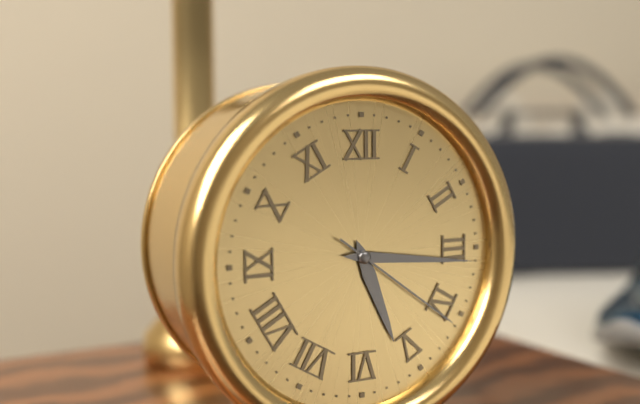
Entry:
5:16:21
